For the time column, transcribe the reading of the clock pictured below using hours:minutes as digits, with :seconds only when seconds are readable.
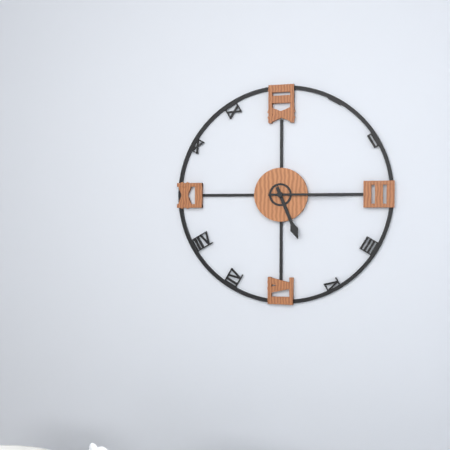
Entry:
5:15
